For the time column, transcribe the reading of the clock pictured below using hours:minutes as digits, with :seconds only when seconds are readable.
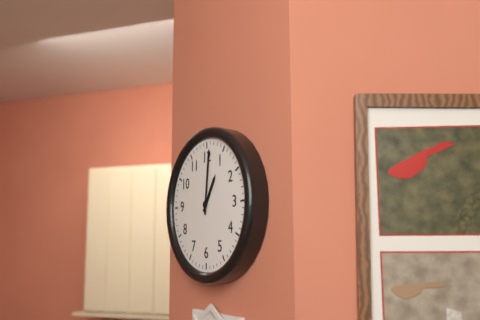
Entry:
1:01
